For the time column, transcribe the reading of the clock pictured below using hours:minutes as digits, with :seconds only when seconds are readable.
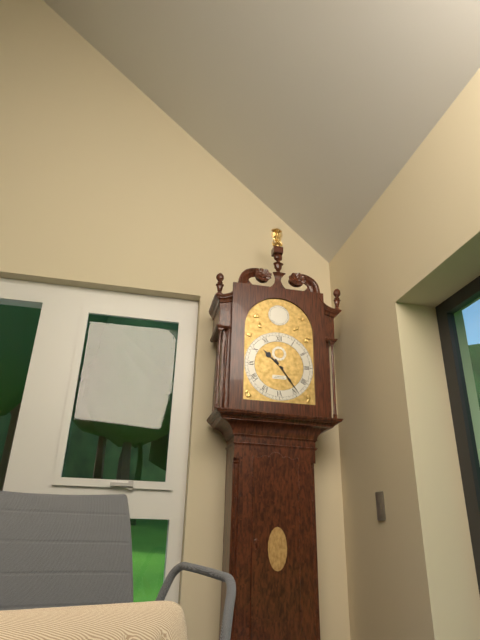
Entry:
10:24
